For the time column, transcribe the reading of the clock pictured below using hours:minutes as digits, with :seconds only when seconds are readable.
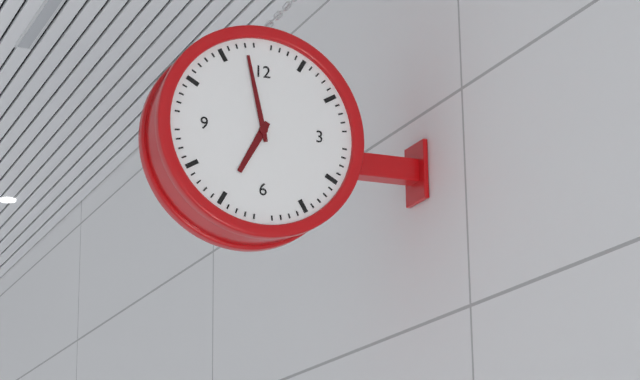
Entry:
6:58
